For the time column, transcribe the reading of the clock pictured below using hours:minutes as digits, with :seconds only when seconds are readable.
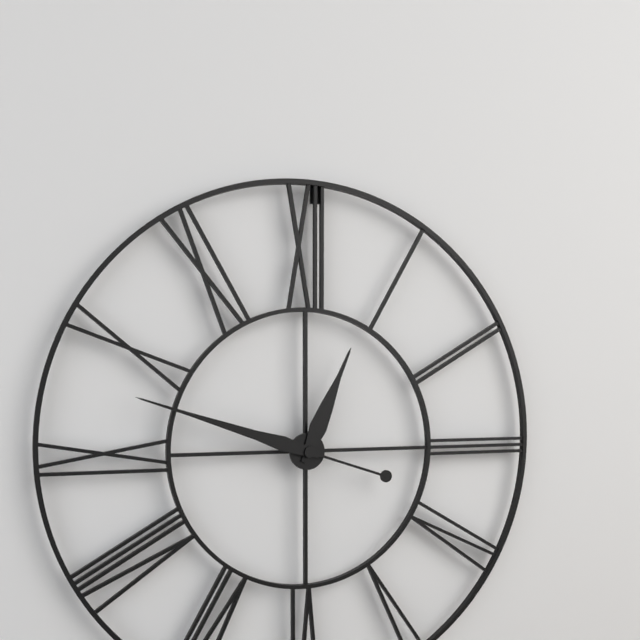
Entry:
12:48
